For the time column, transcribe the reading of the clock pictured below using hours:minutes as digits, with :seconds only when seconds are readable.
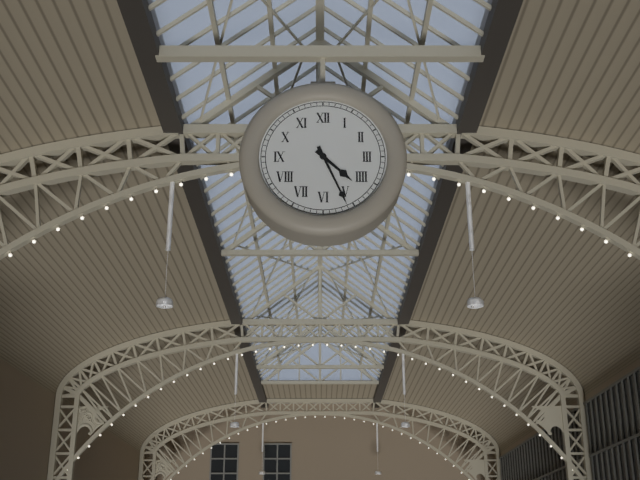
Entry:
4:26
